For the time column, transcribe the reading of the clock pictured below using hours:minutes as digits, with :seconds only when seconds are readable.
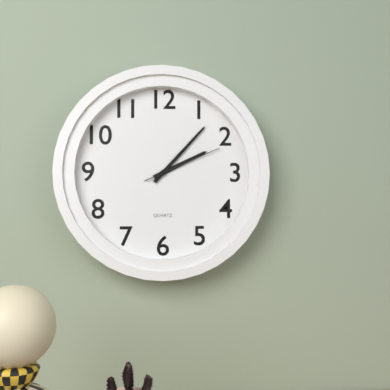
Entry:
2:07:11
